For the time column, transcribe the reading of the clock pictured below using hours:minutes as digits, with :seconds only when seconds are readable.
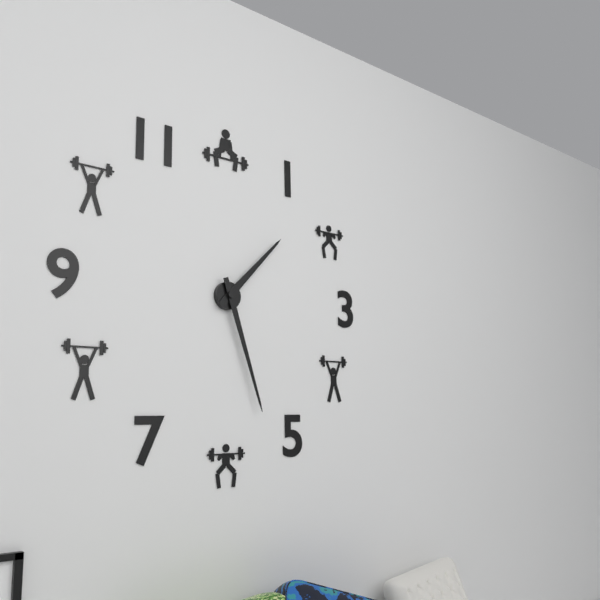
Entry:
1:27
